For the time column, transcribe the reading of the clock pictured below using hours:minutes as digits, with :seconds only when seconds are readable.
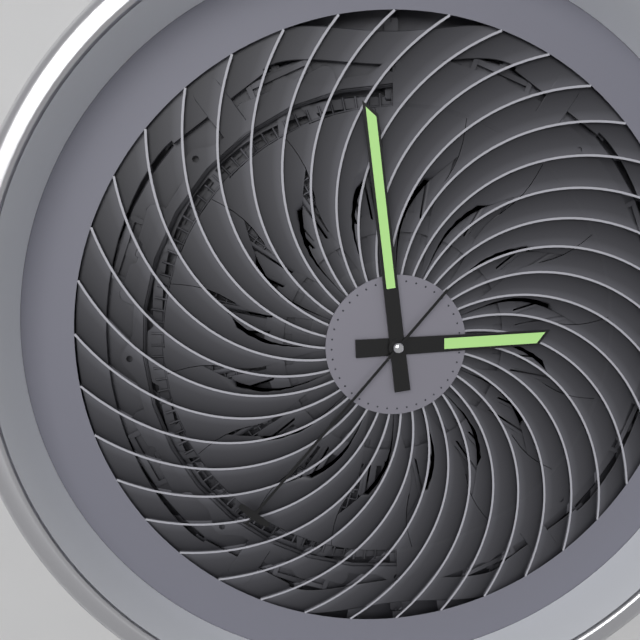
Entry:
2:59:37
